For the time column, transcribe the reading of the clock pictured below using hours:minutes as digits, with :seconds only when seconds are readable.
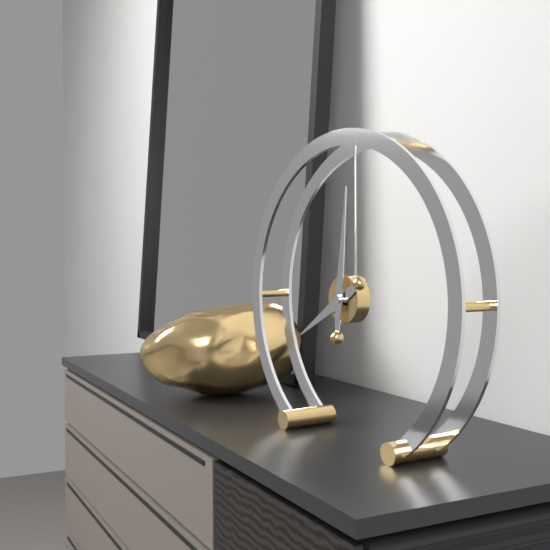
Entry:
8:01
